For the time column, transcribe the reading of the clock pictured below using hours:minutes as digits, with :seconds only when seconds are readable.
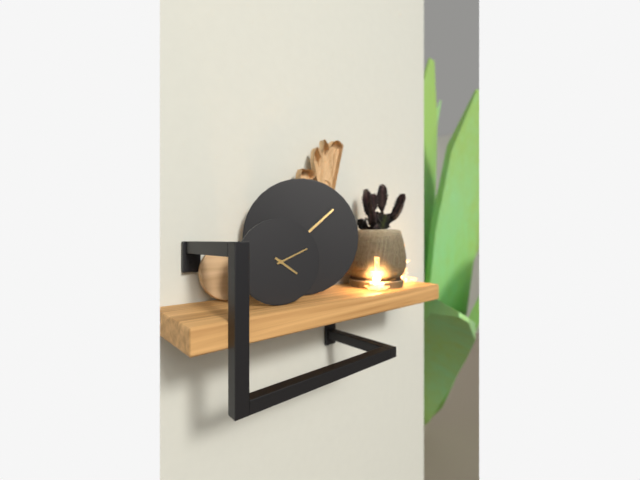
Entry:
4:11
